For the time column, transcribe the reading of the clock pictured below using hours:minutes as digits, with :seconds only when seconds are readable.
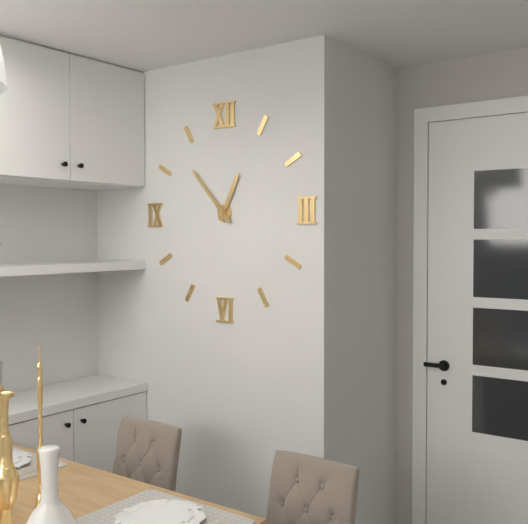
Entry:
12:53
